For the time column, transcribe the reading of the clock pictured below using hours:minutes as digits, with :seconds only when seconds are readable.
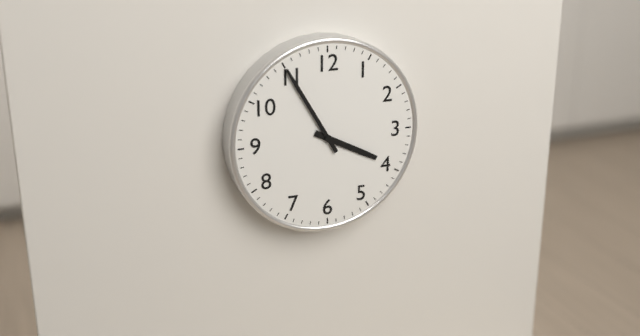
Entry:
3:55
